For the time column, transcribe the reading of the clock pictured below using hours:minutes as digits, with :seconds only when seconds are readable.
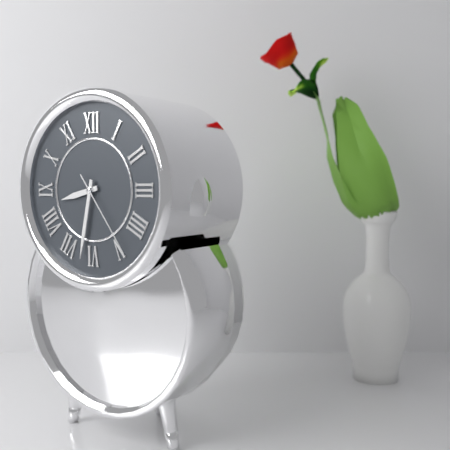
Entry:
8:32:24
